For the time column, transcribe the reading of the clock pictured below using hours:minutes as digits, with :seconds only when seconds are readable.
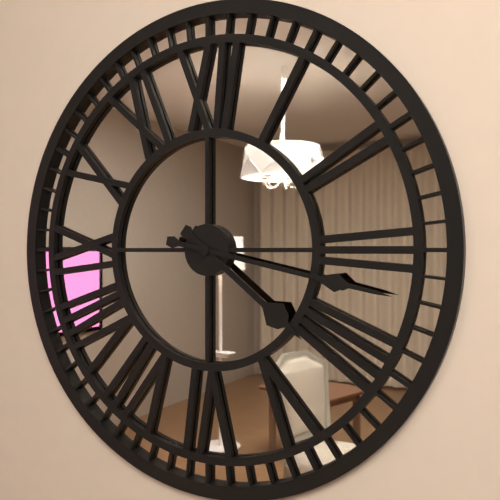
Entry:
4:17
